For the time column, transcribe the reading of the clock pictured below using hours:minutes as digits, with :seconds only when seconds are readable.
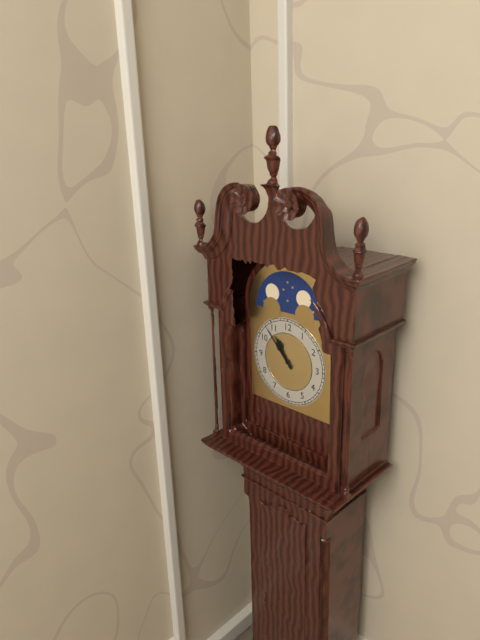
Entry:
10:53
